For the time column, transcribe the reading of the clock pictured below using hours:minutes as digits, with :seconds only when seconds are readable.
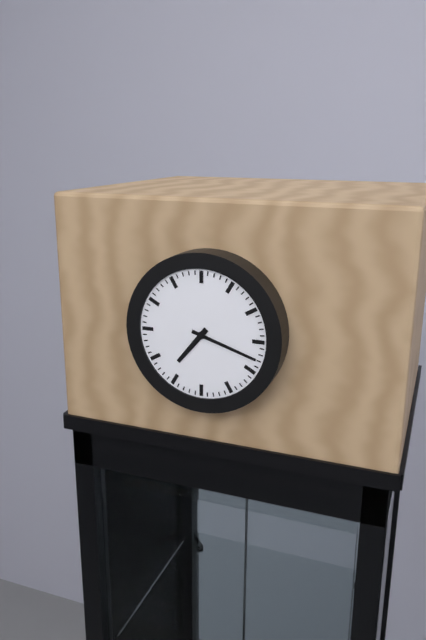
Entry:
7:18
